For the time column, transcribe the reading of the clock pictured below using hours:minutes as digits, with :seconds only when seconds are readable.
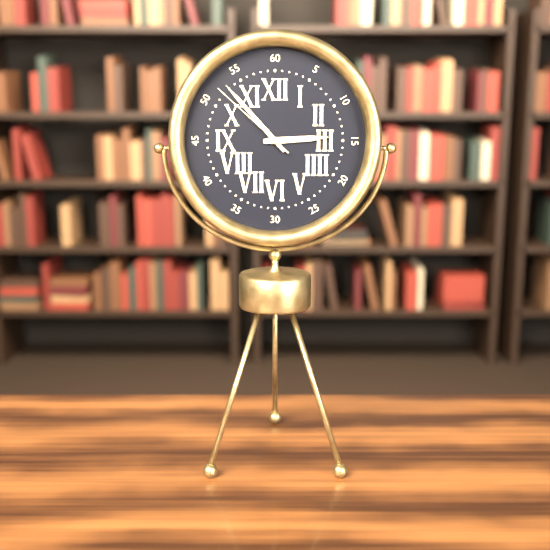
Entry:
2:53:52
